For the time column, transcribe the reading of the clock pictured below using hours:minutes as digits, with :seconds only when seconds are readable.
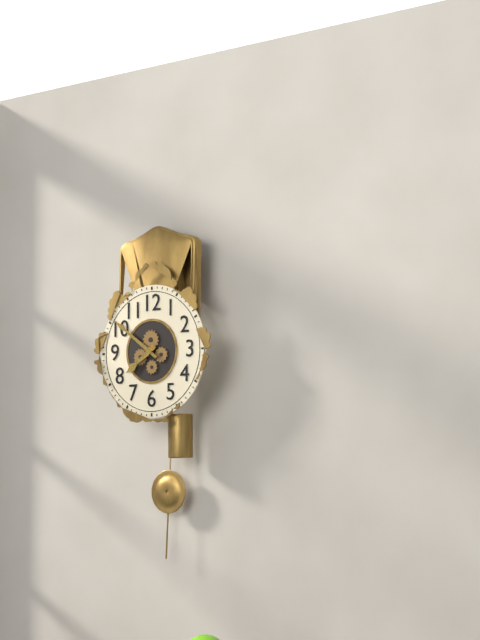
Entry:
7:51
